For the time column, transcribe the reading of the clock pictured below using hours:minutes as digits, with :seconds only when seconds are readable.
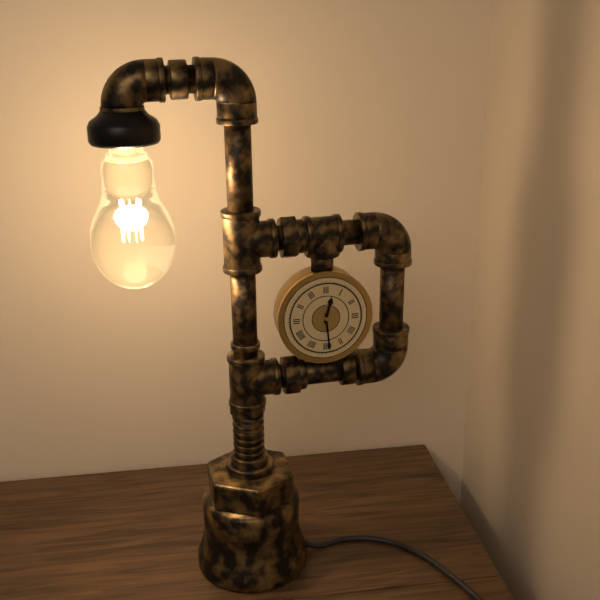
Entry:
12:29
